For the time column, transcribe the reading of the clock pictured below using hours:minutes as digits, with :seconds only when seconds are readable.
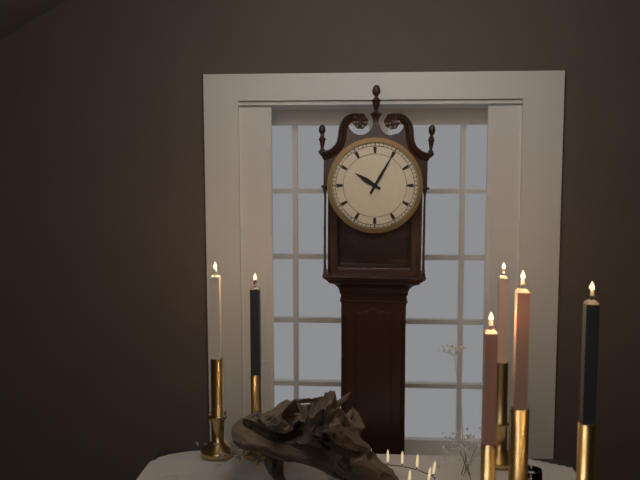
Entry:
10:05
